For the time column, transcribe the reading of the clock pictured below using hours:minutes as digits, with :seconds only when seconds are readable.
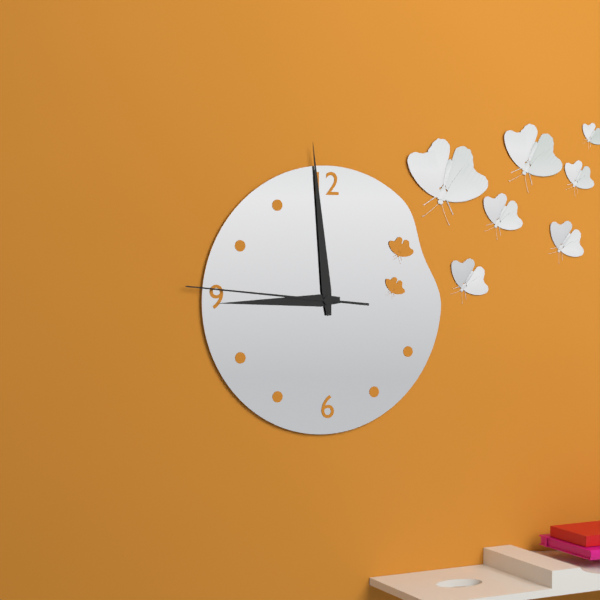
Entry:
8:59:46
